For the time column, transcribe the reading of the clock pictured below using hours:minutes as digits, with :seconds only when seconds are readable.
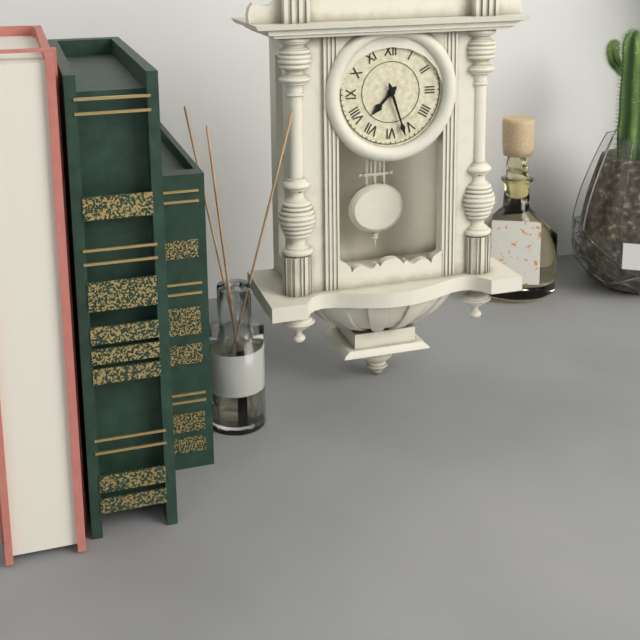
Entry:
7:27
